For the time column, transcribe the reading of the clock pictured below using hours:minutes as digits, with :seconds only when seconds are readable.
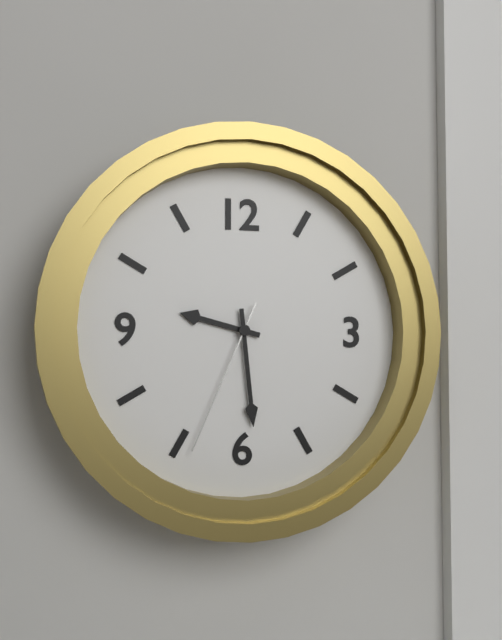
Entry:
9:29:34
